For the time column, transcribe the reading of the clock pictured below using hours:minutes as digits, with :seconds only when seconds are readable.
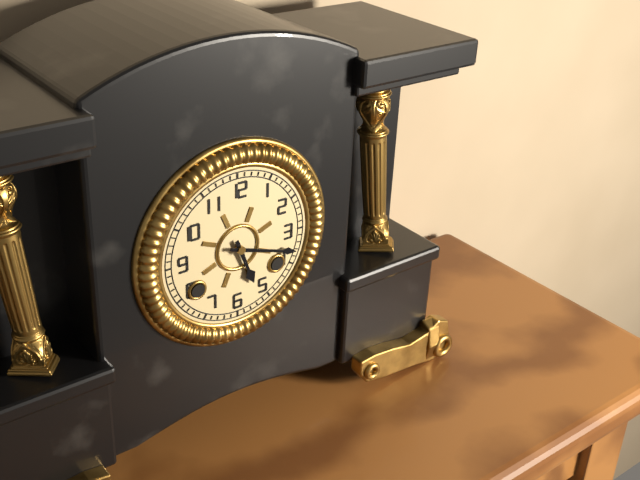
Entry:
5:18
